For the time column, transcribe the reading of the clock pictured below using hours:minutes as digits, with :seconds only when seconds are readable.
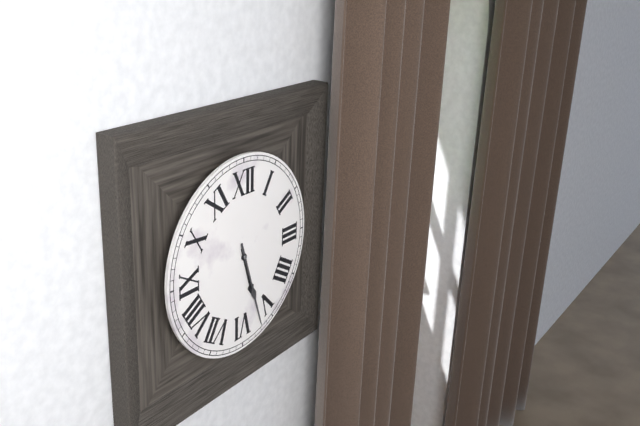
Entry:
5:27
